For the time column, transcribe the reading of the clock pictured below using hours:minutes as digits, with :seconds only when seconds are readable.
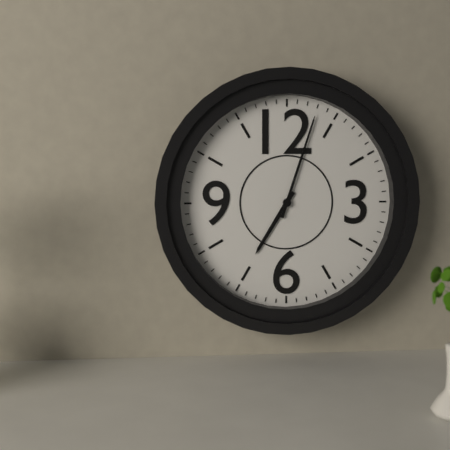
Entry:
7:03
